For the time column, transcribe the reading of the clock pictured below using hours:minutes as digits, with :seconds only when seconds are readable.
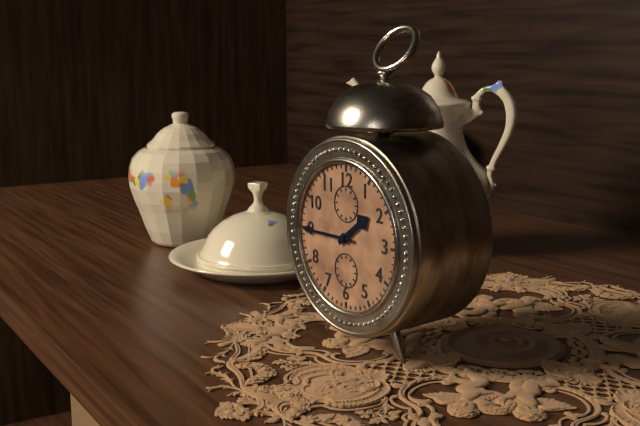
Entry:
1:45
